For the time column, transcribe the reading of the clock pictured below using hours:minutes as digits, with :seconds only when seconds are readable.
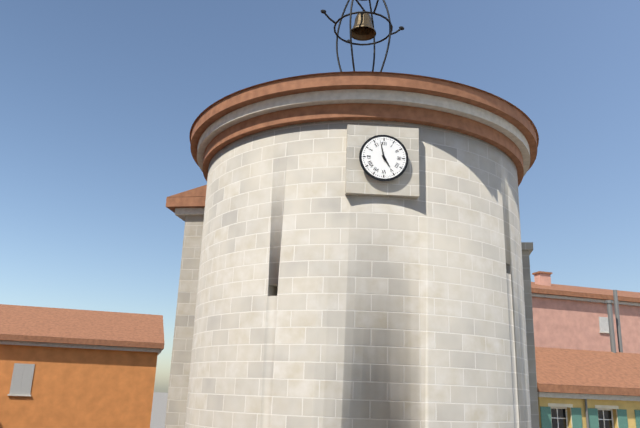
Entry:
4:58
